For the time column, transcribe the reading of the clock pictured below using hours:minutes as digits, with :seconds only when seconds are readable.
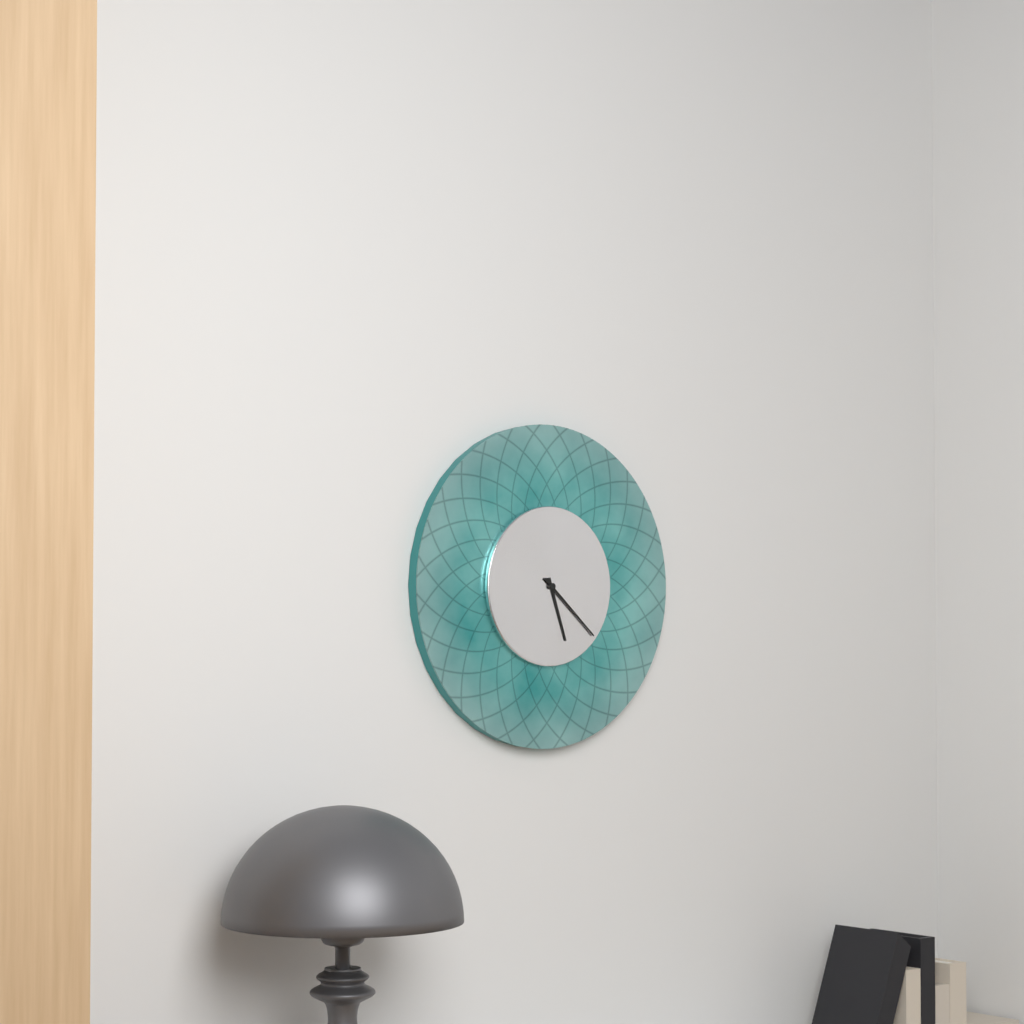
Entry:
5:22
